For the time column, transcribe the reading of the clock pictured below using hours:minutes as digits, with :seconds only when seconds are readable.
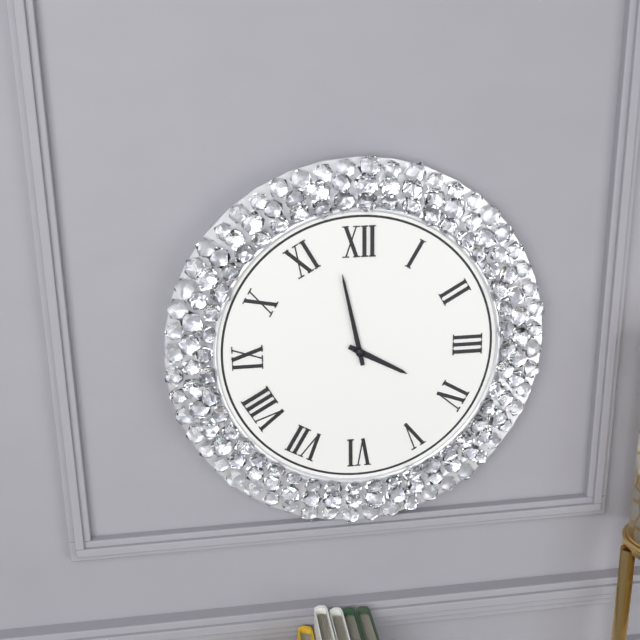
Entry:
3:58
